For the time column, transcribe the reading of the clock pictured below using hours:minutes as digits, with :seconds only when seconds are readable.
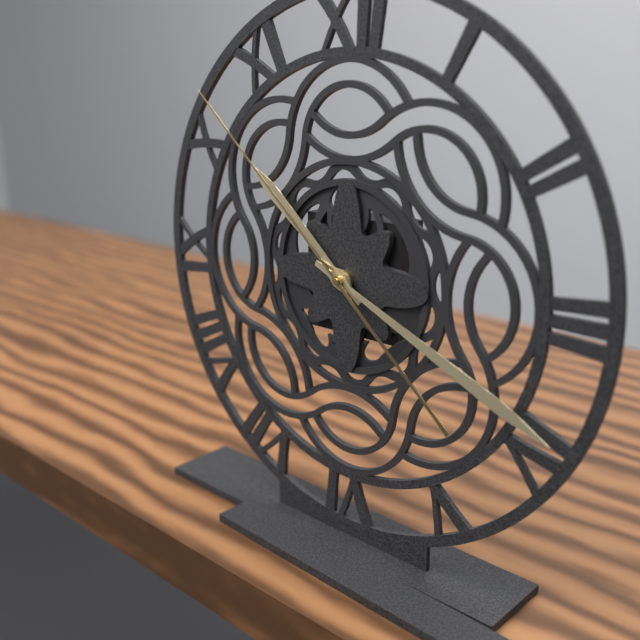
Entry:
10:19:52
